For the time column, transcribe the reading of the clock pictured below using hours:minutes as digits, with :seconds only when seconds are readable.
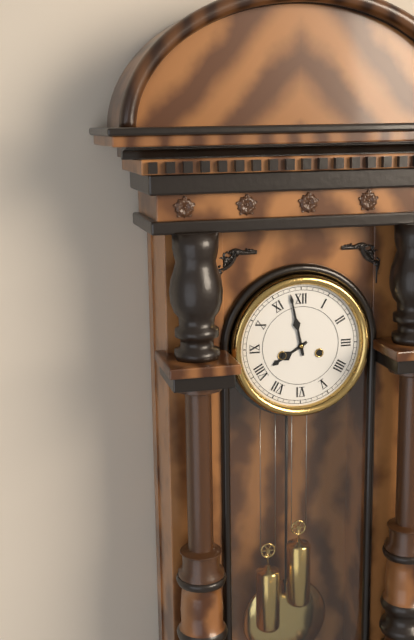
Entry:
7:58
